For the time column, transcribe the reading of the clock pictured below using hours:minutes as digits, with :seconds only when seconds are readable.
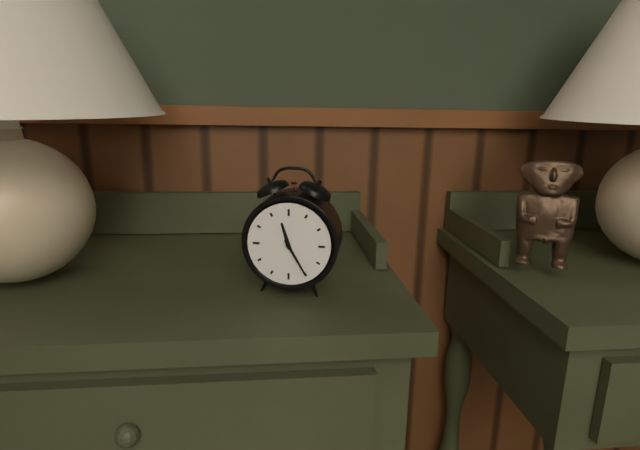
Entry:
11:25
